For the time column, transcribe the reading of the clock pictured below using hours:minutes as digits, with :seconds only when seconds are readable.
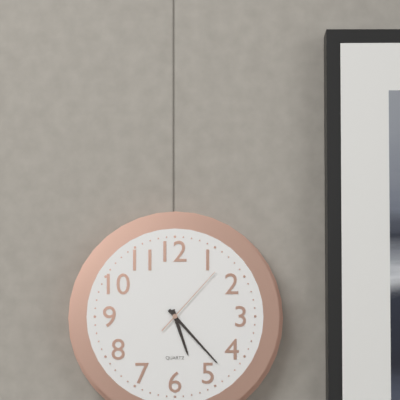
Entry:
5:23:07
